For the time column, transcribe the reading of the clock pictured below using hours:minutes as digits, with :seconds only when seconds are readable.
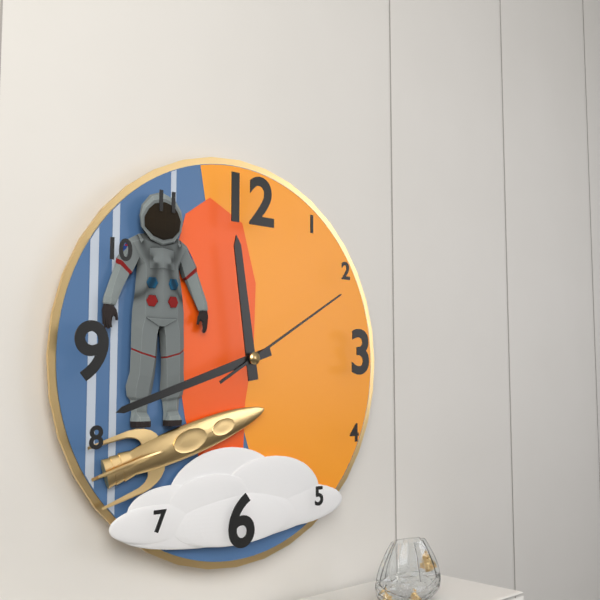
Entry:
11:42:10
